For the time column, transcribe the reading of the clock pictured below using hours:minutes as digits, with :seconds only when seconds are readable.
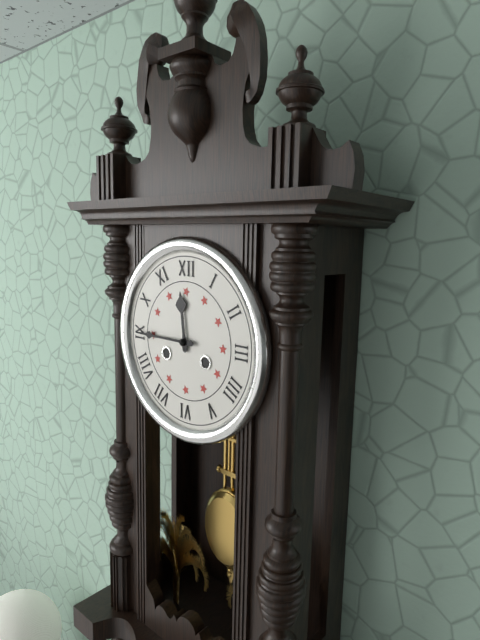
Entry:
11:45
